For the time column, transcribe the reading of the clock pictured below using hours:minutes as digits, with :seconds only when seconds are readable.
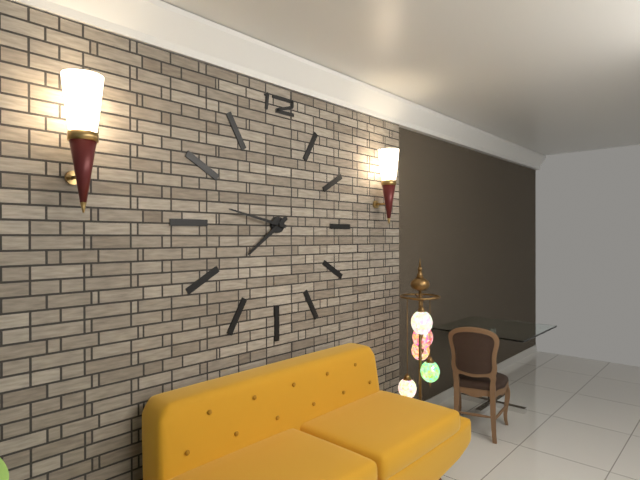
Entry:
7:47
